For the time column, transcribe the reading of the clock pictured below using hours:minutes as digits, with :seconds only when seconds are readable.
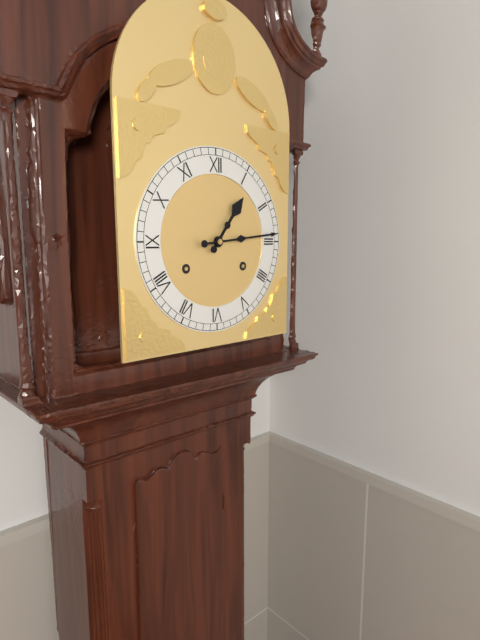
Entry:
1:14
